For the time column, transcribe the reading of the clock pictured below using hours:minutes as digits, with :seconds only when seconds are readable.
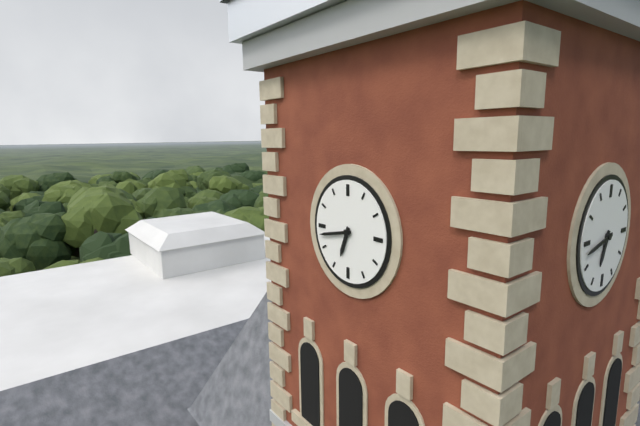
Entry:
6:43
